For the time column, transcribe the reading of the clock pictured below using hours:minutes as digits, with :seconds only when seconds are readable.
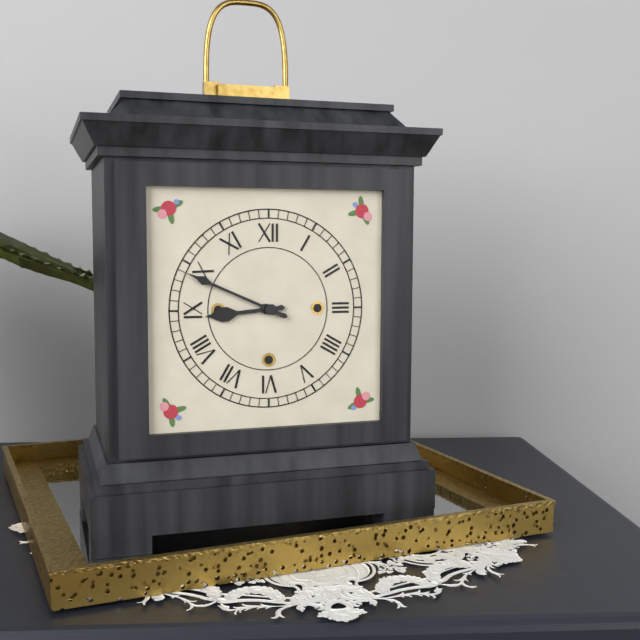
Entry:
8:49
